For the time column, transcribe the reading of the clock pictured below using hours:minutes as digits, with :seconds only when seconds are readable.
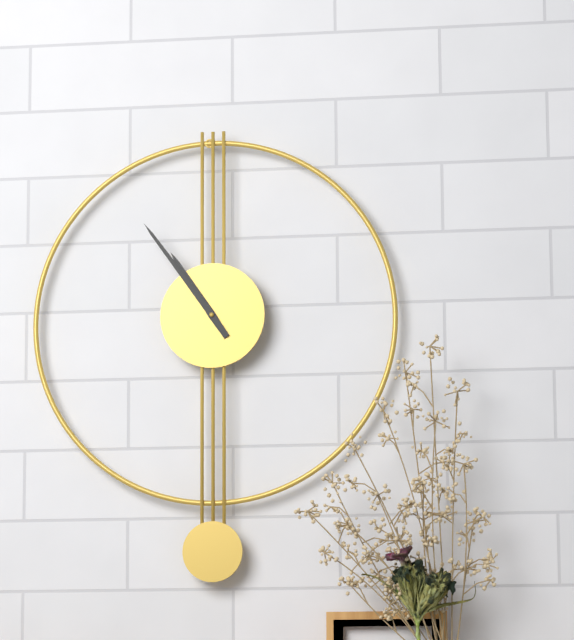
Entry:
10:54
